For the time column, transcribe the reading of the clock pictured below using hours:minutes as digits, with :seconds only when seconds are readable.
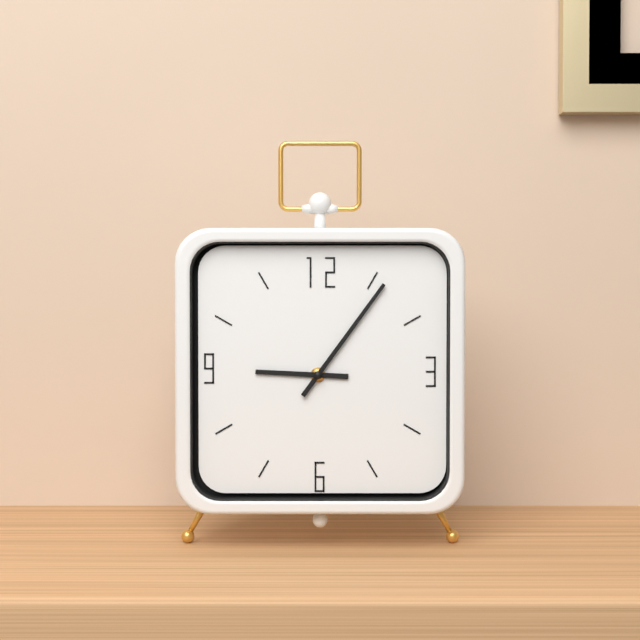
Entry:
9:06
